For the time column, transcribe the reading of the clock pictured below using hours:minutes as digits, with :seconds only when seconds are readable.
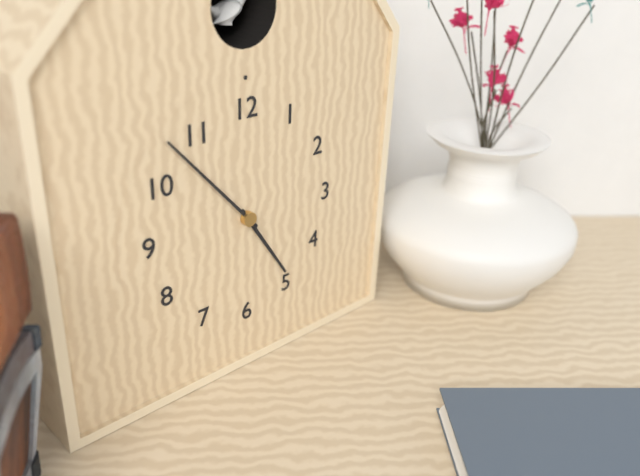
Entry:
4:53
